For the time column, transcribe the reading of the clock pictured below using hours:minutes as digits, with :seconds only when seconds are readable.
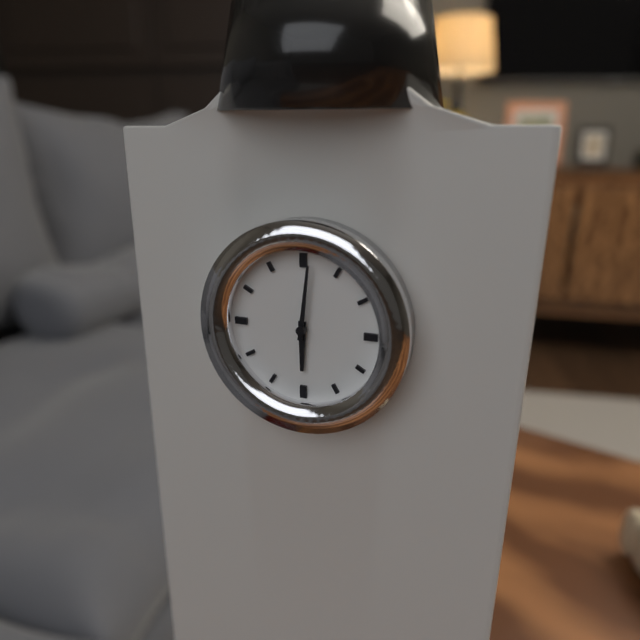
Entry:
6:01
